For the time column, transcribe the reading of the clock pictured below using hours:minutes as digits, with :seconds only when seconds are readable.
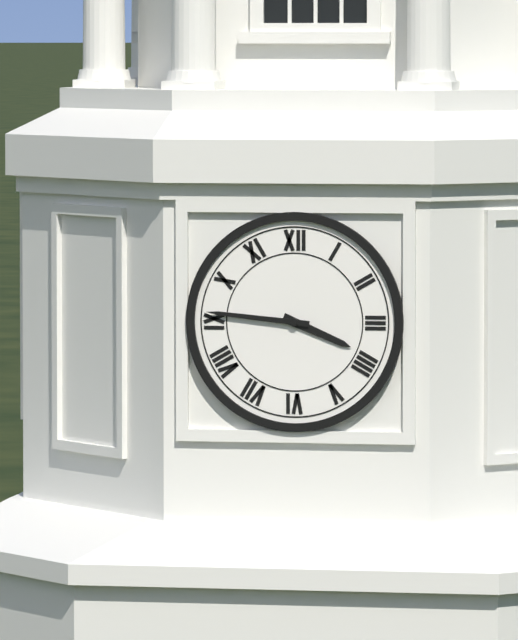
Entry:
3:46
